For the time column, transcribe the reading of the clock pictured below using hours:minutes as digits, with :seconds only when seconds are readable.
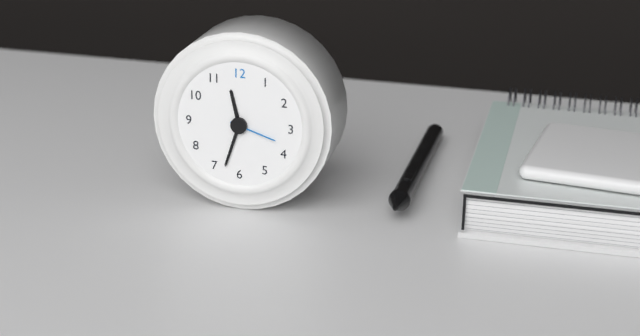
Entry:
11:33:18
